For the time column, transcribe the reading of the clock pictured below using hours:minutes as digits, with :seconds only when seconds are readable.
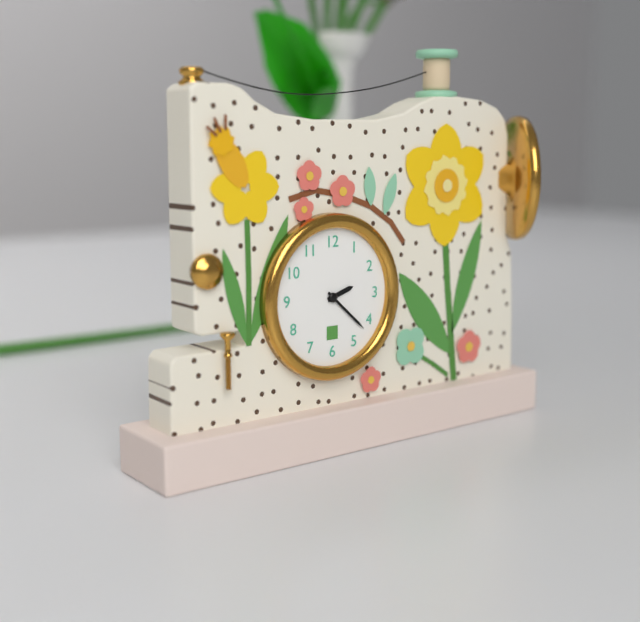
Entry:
2:22
